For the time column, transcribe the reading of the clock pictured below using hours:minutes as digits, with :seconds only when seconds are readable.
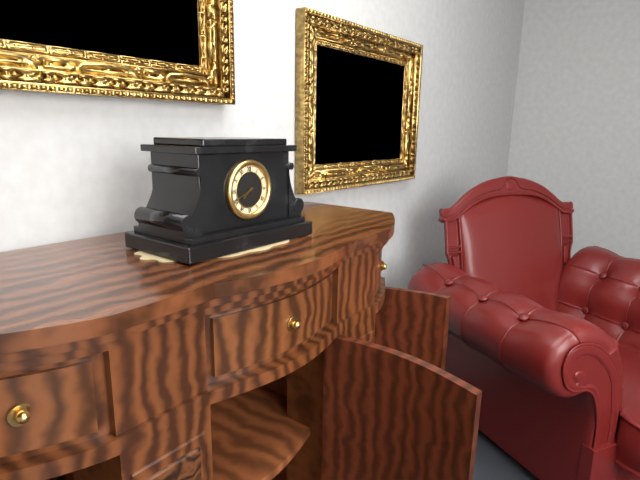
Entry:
7:41
